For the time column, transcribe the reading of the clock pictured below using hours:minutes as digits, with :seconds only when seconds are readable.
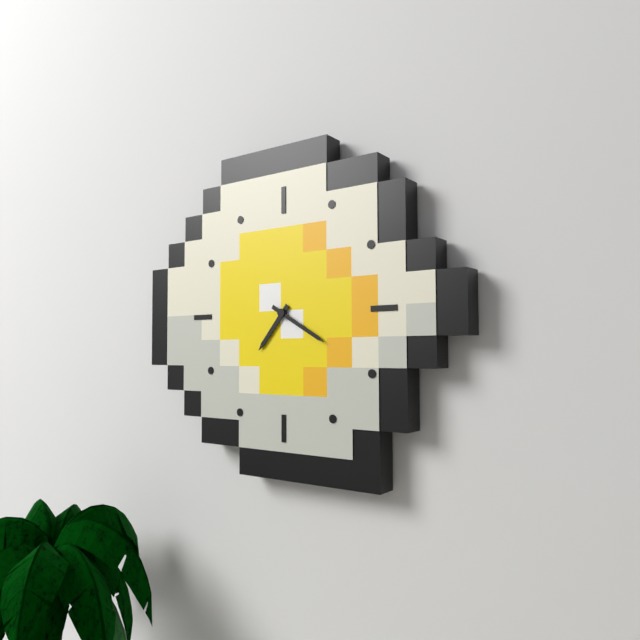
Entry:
7:20
